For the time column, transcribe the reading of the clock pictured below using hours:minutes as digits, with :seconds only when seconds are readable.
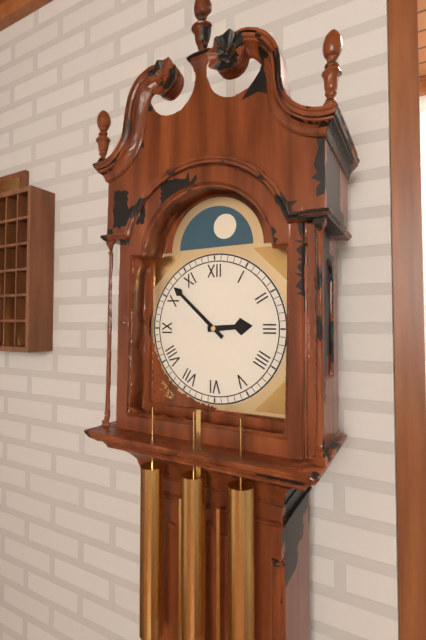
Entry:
2:52
